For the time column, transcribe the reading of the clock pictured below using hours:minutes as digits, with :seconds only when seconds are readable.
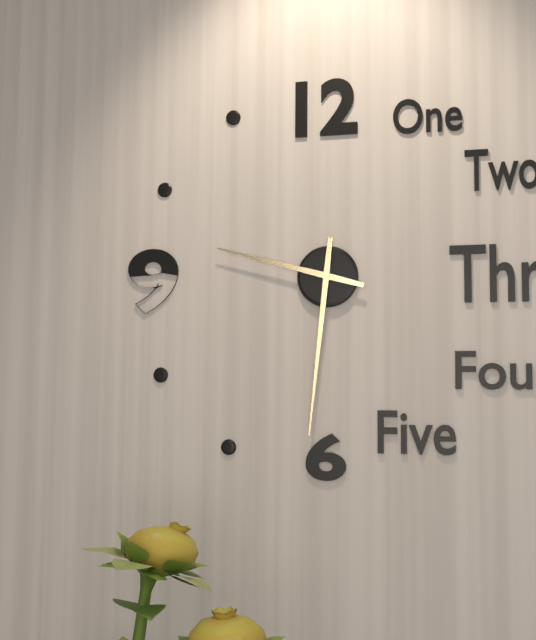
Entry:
9:31
